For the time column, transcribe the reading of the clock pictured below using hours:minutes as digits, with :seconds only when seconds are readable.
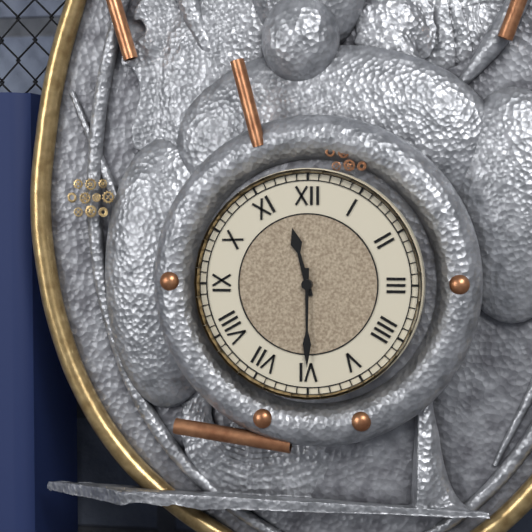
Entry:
11:30
